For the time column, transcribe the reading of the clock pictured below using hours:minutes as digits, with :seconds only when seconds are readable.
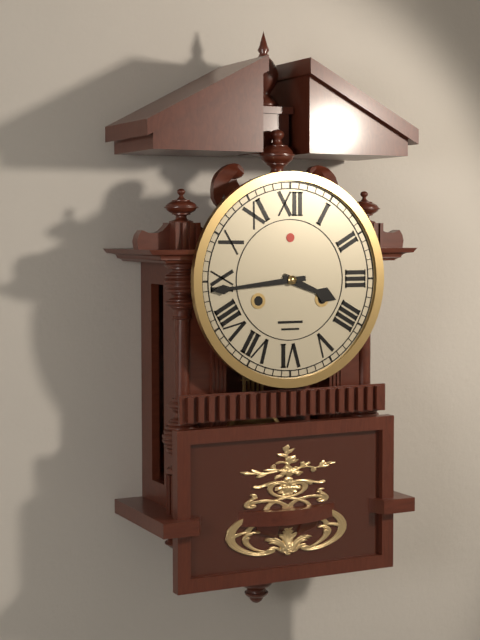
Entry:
3:44
